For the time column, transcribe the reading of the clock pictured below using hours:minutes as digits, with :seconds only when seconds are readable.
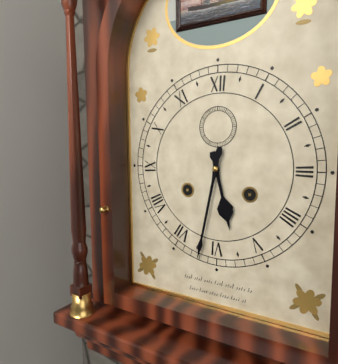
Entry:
5:32
